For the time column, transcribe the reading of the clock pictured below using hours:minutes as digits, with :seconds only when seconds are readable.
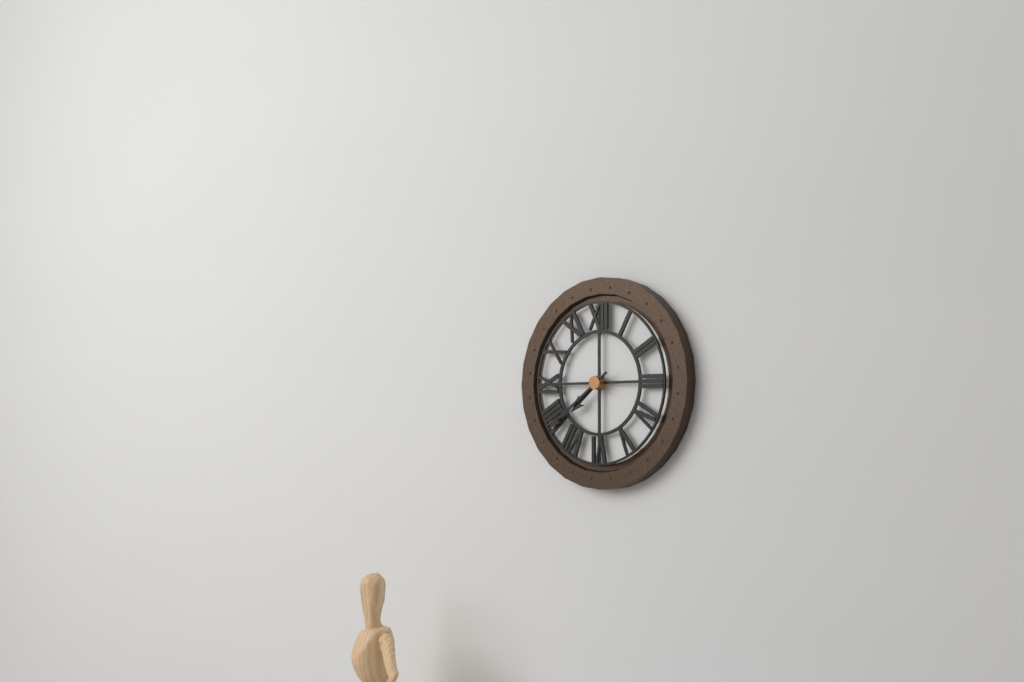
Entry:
7:39
